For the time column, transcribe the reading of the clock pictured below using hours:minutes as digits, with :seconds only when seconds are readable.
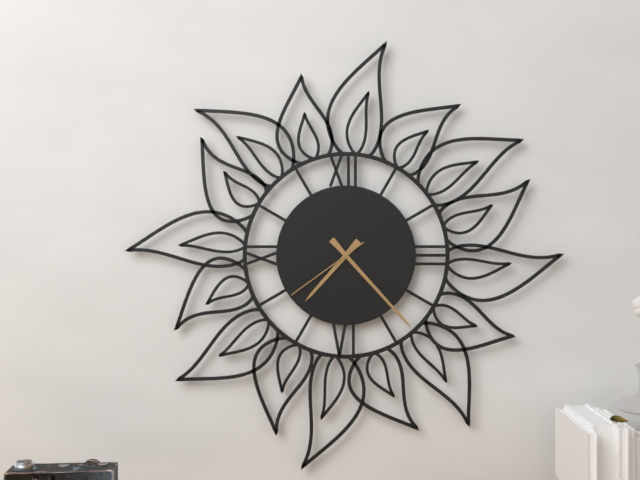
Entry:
7:23:39
